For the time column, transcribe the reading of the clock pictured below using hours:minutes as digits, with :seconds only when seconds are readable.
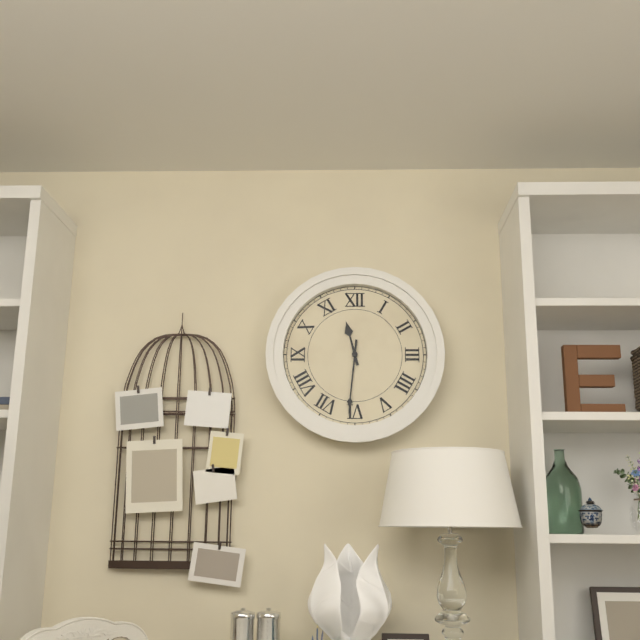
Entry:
11:31
